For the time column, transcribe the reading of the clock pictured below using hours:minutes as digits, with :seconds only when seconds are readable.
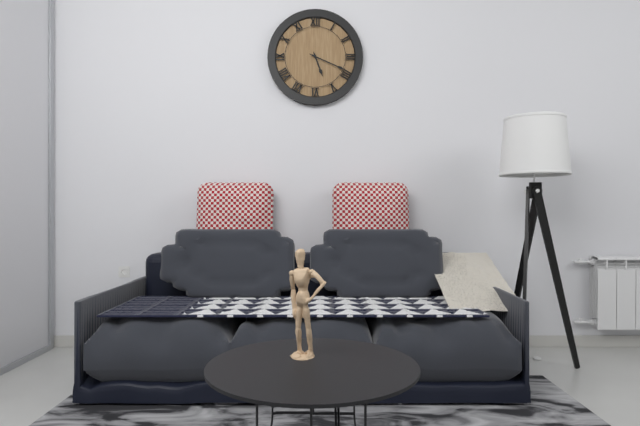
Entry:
5:19
